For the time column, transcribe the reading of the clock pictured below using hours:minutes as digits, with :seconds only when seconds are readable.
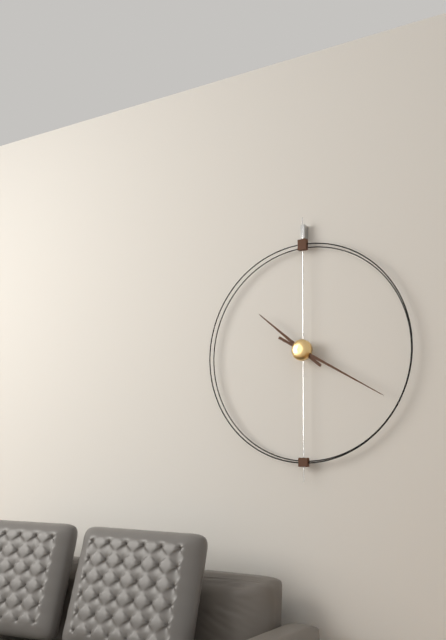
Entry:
10:20
